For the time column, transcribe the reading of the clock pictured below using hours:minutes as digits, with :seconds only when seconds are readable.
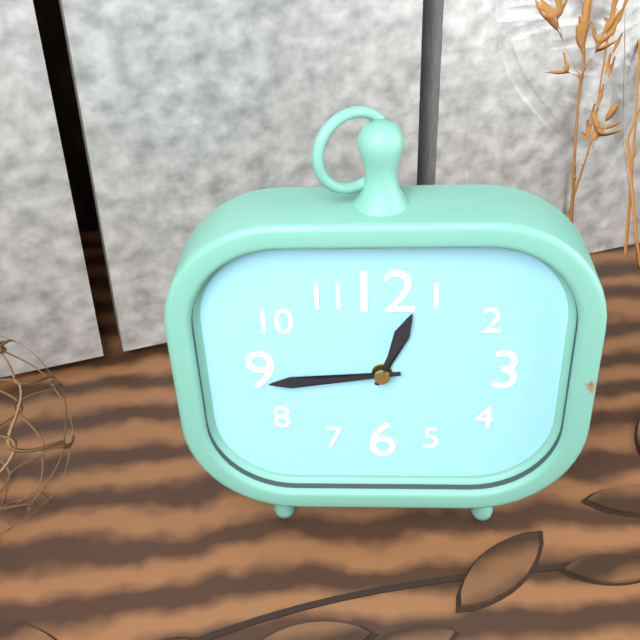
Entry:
12:44
